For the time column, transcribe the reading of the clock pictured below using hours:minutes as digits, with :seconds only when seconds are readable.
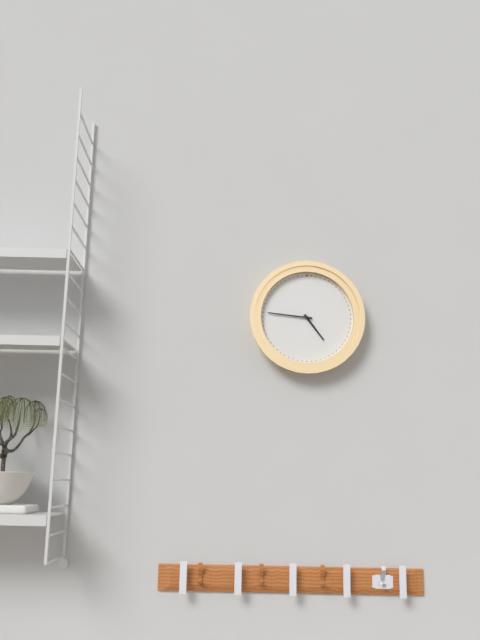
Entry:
4:46
